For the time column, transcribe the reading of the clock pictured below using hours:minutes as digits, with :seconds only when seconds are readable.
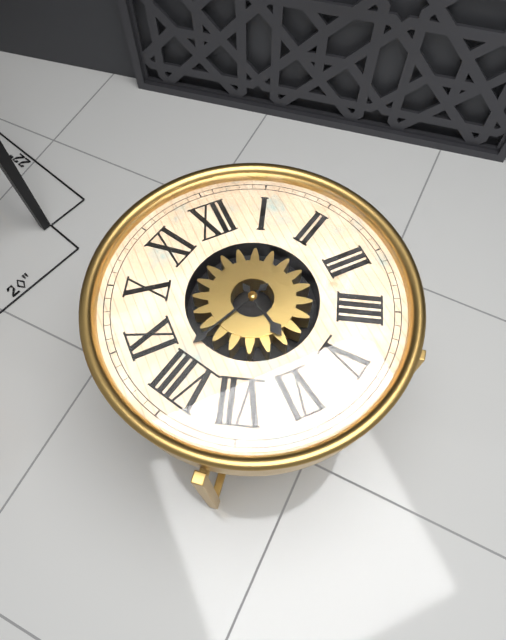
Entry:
5:42
